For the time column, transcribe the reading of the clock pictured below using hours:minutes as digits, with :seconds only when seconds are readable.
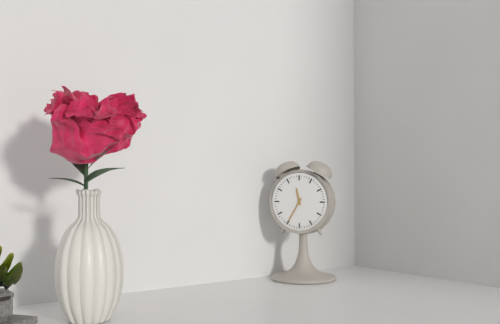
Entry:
11:35
